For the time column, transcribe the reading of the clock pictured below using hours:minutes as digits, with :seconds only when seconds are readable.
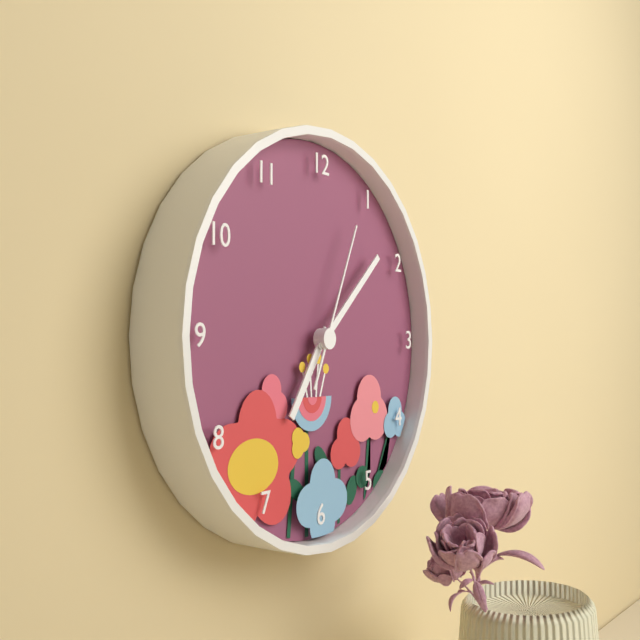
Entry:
7:08:04
